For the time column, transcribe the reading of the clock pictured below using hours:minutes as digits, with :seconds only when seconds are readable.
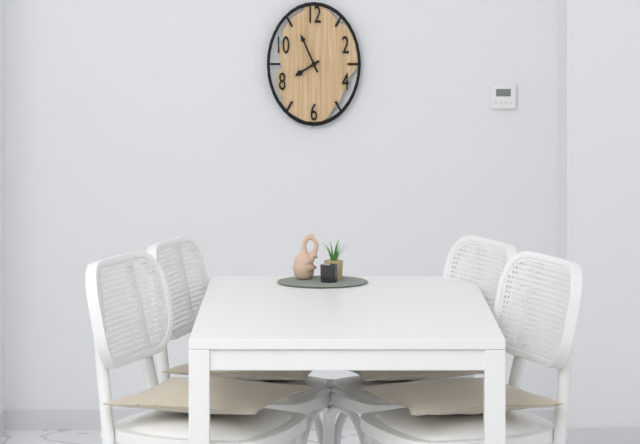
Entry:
7:56
